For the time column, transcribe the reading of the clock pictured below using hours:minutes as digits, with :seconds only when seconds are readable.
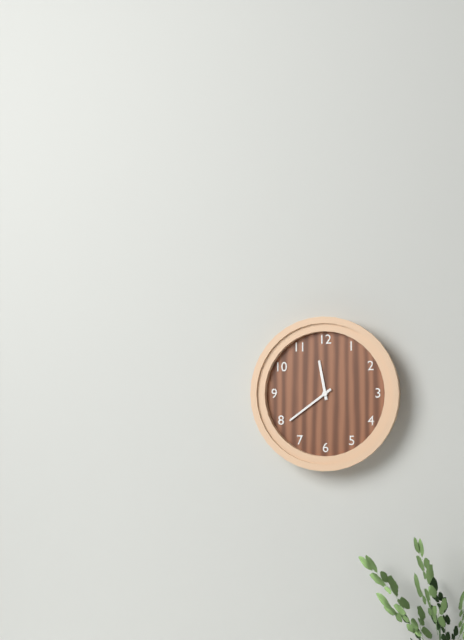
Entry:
11:39
